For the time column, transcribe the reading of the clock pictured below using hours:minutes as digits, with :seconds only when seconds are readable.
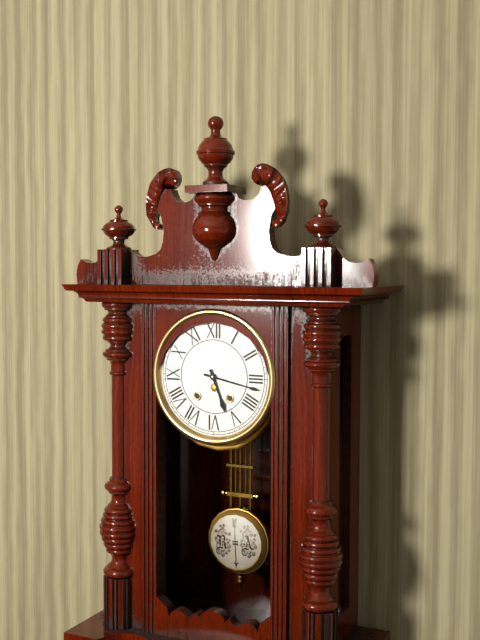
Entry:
5:17
